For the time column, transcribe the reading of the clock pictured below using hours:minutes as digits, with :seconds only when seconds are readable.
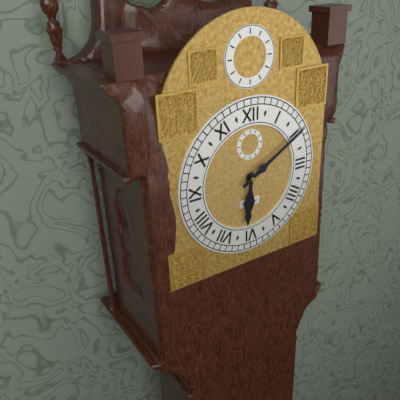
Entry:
6:10
